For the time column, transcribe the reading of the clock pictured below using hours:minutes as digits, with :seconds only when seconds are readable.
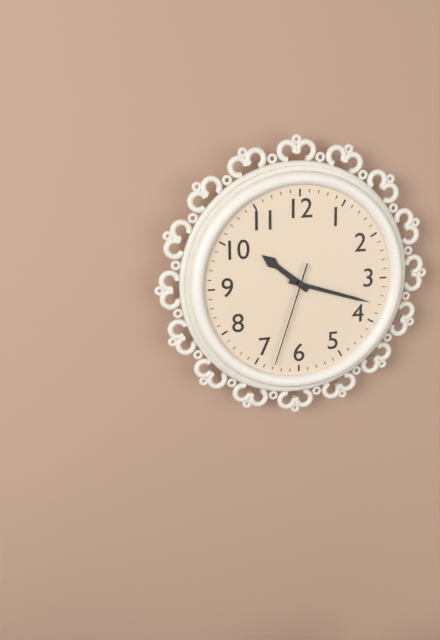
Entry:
10:18:33
